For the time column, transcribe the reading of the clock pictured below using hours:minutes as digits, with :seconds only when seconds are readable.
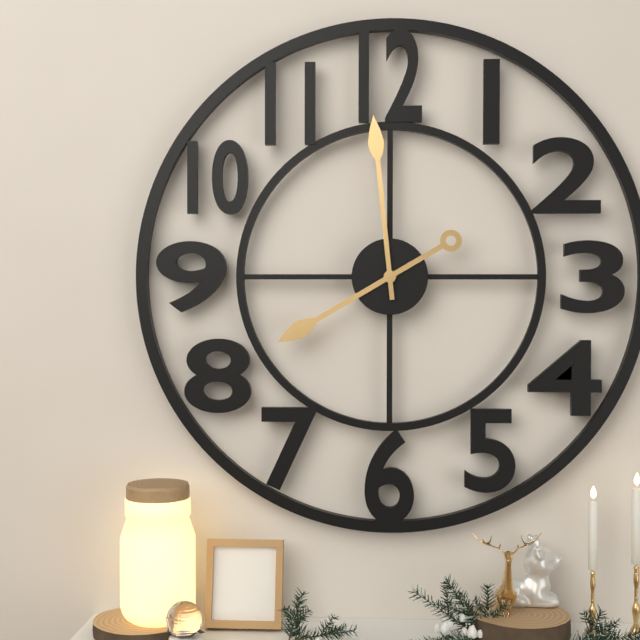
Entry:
7:59
